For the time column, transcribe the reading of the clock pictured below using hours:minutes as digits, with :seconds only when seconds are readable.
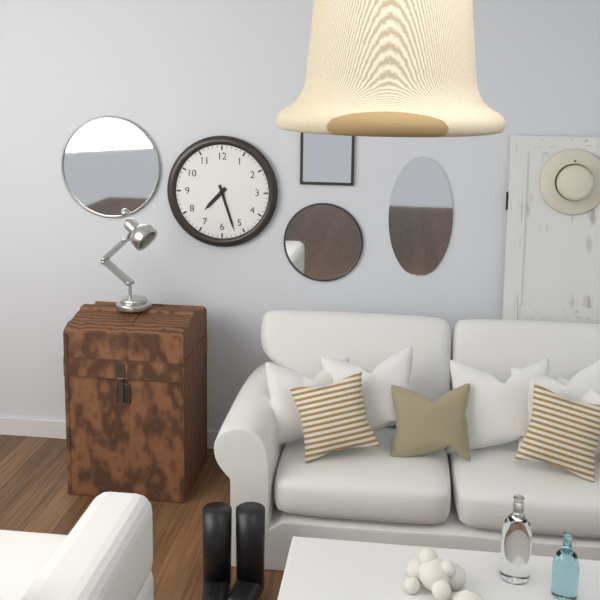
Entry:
7:27
